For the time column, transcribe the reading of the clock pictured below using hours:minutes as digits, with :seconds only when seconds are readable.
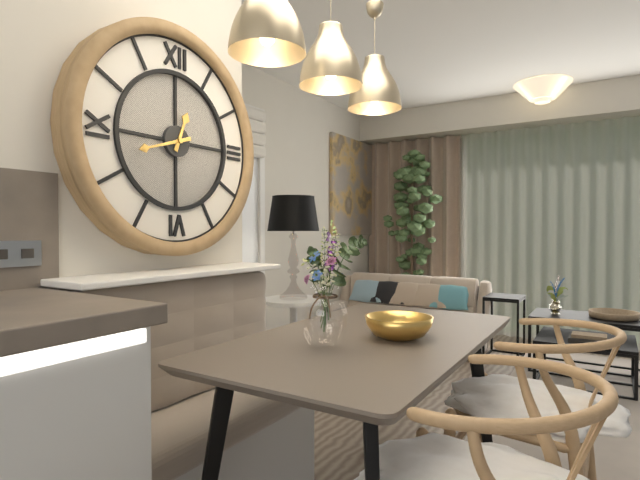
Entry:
12:42
